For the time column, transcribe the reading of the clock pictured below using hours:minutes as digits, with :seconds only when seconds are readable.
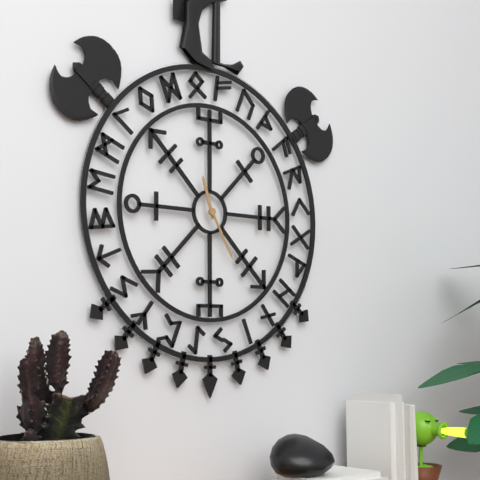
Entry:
11:25
